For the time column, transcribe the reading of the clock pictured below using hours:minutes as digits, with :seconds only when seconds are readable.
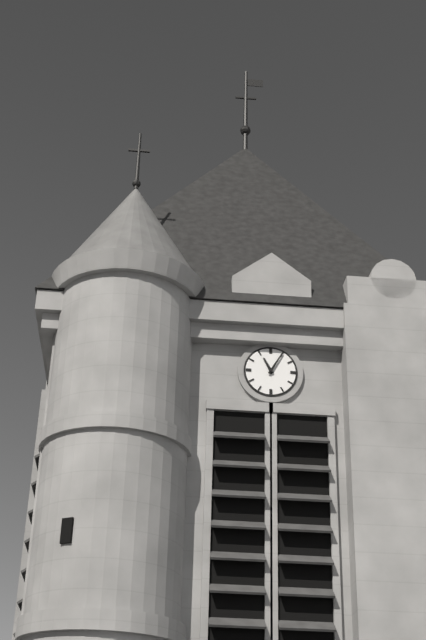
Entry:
11:05
